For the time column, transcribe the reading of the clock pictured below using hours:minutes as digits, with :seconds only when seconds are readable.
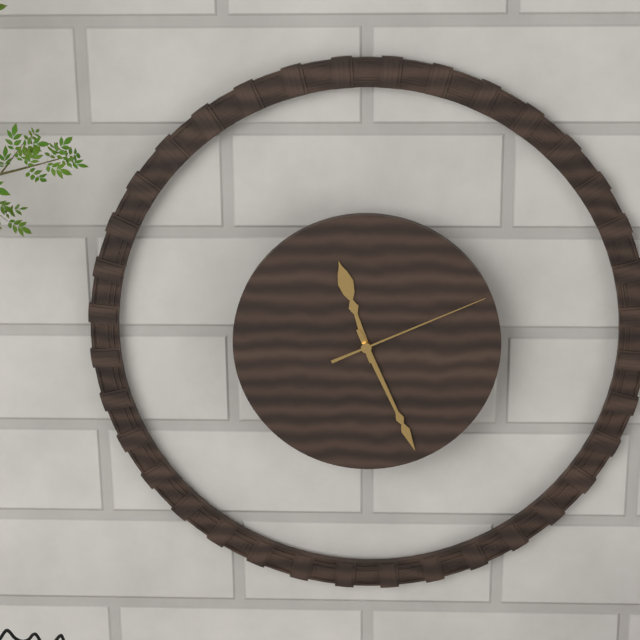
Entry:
11:26:11
